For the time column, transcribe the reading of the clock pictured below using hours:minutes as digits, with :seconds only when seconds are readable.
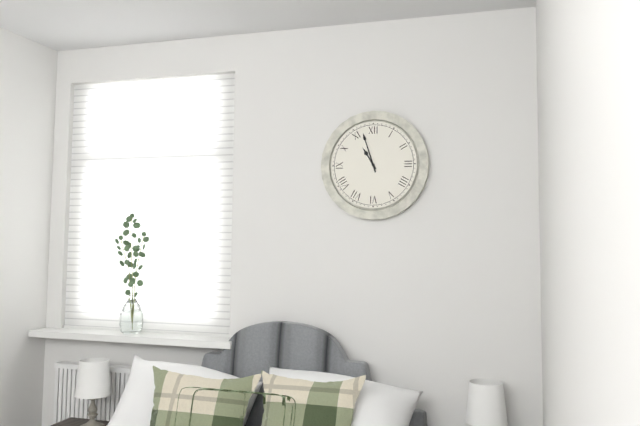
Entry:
10:57
